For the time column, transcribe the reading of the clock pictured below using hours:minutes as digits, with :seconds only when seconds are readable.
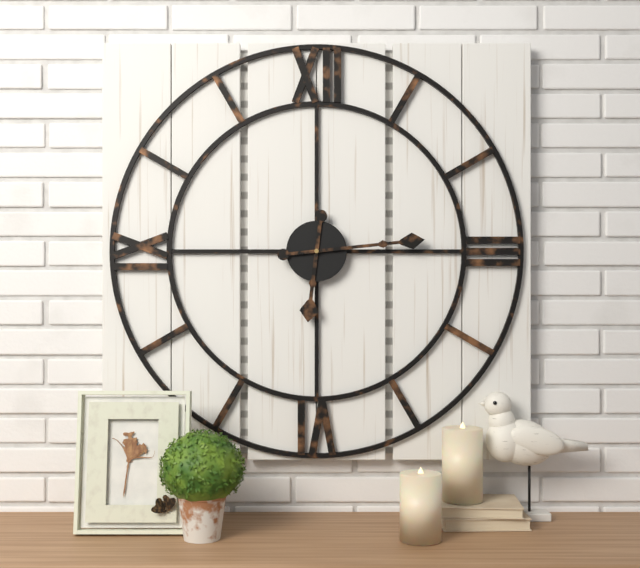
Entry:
6:14
